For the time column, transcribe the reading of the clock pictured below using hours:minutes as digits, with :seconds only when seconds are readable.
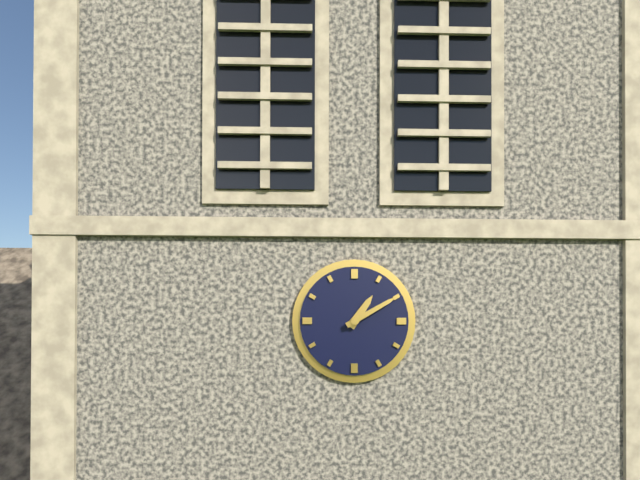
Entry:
1:10
